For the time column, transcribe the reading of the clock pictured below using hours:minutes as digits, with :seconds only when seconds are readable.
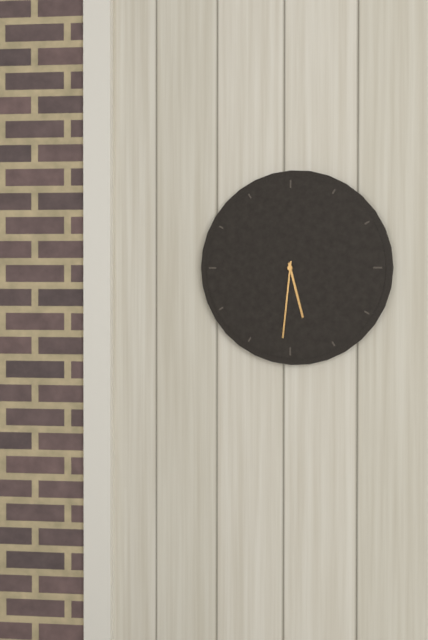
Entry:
5:31
